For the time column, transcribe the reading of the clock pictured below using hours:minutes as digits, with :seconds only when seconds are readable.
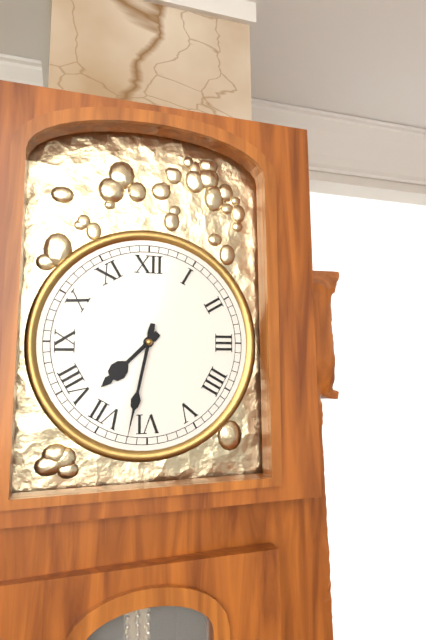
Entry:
7:32
